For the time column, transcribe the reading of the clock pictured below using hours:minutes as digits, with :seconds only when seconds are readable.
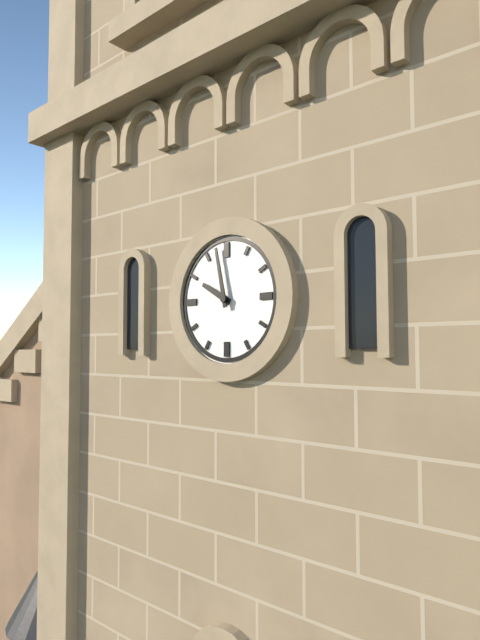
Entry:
9:58
